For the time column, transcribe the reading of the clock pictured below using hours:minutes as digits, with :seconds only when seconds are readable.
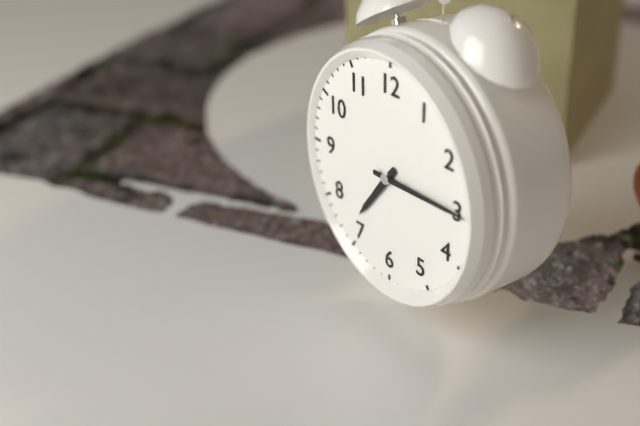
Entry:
7:15
